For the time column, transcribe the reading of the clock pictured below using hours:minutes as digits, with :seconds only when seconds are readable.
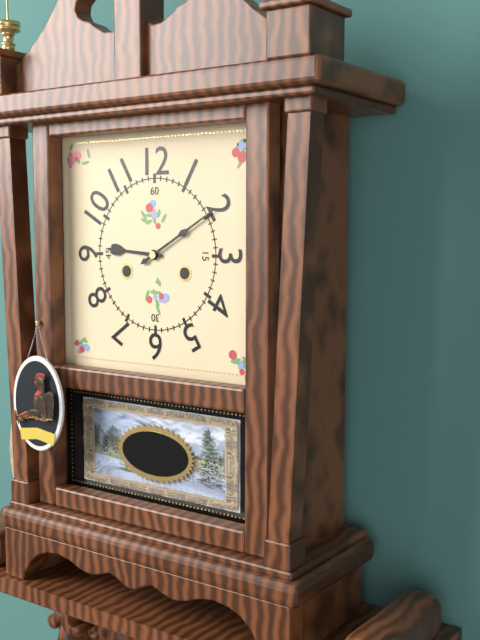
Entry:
9:10
